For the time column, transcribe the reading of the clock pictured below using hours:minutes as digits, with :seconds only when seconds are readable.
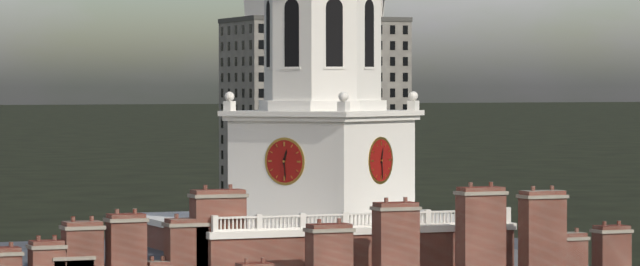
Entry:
12:29
